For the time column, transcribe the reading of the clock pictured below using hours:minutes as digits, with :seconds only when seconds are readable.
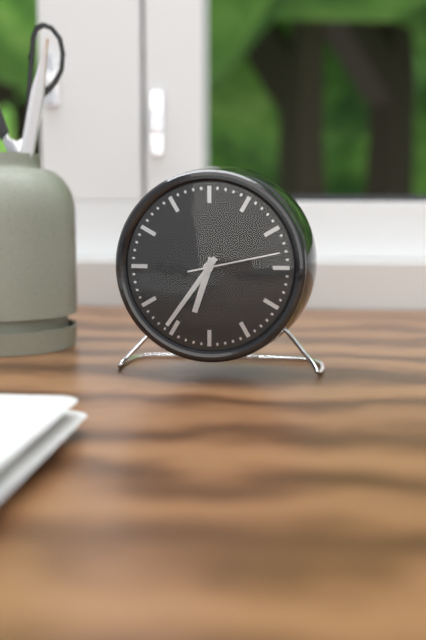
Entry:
6:36:13
